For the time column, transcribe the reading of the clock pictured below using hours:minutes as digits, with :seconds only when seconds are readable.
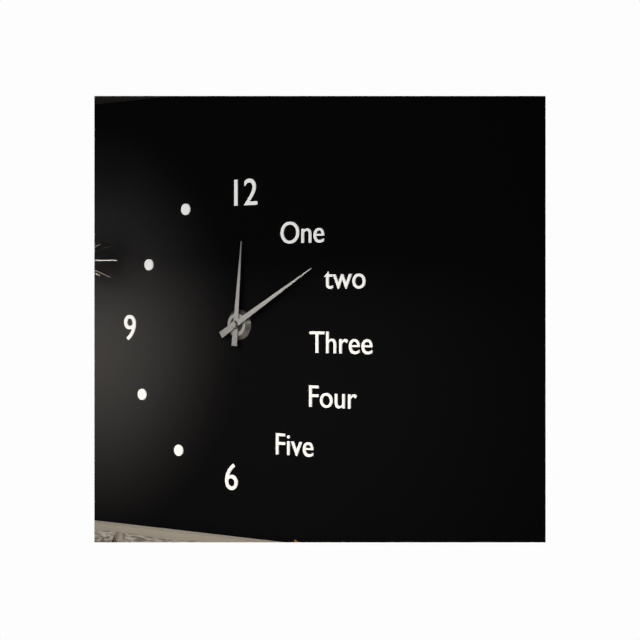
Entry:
12:10
